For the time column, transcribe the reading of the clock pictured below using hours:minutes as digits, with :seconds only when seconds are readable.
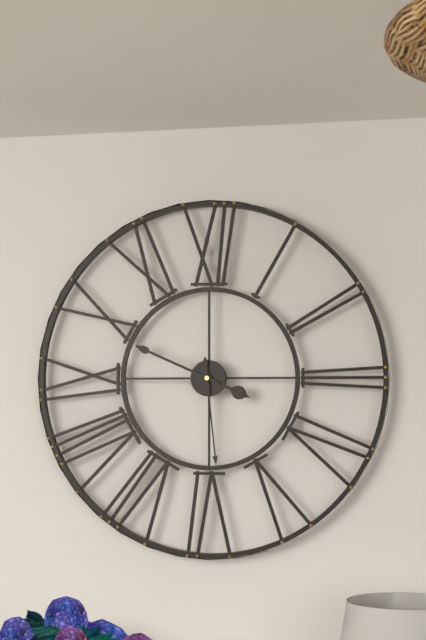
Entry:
3:49:29
